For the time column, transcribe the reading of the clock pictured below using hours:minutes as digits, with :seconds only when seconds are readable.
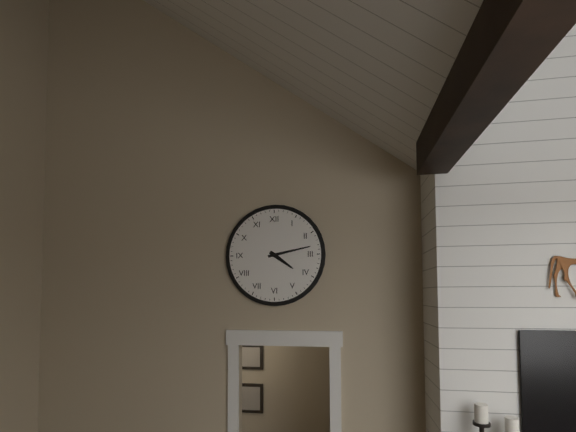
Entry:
4:13
